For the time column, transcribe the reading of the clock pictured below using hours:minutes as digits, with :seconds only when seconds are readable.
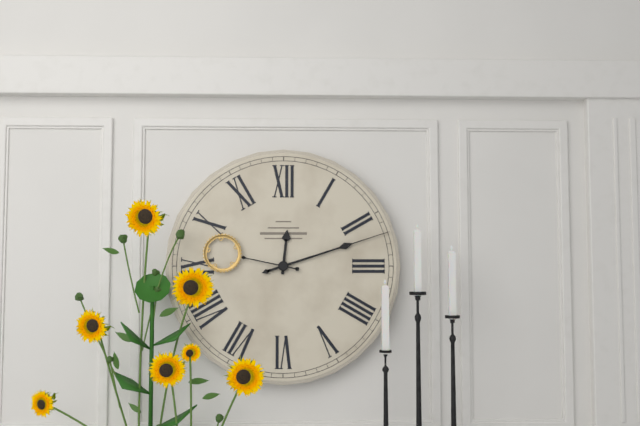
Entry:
12:12:47
